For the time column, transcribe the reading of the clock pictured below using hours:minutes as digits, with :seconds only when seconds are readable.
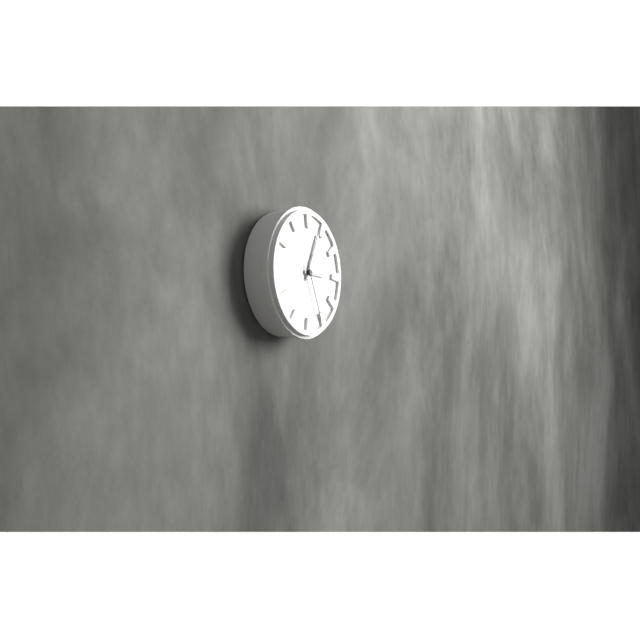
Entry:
3:04:26
